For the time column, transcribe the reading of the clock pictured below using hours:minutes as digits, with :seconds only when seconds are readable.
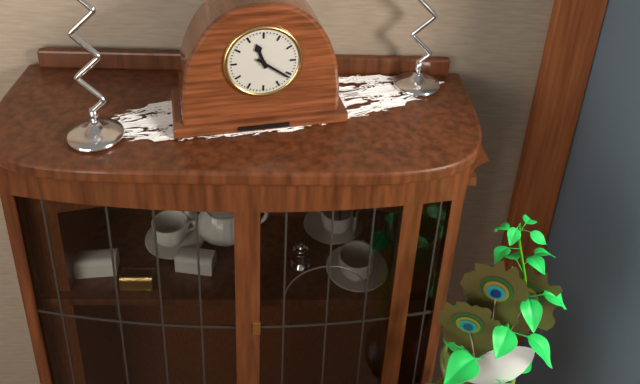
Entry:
11:21
